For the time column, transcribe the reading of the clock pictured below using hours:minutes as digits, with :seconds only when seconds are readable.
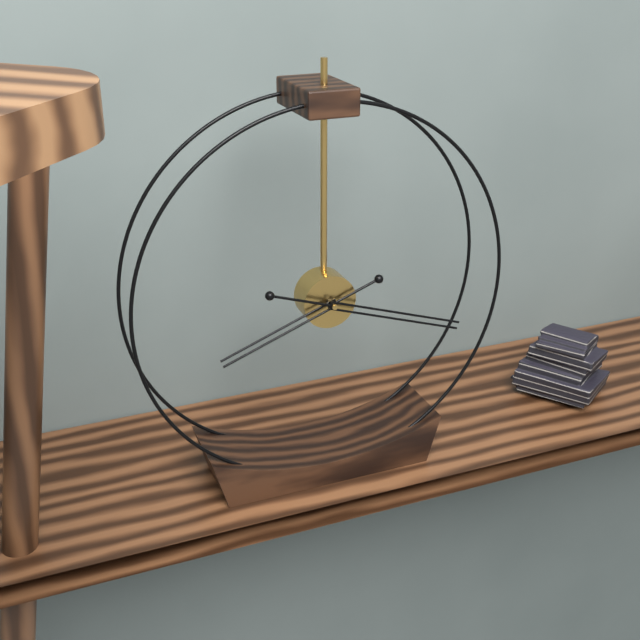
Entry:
8:18
